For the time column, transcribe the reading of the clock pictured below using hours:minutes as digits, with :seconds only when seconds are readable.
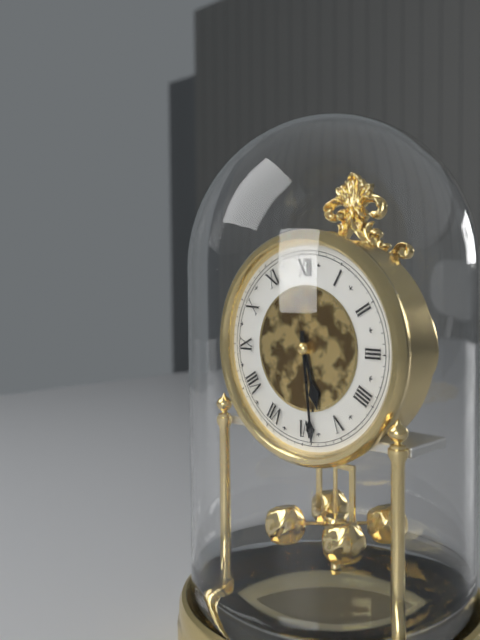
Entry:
5:29
